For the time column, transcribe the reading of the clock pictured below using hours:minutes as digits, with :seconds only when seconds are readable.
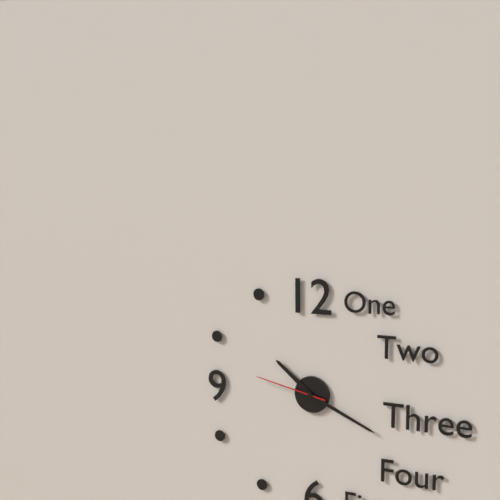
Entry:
10:19:47
